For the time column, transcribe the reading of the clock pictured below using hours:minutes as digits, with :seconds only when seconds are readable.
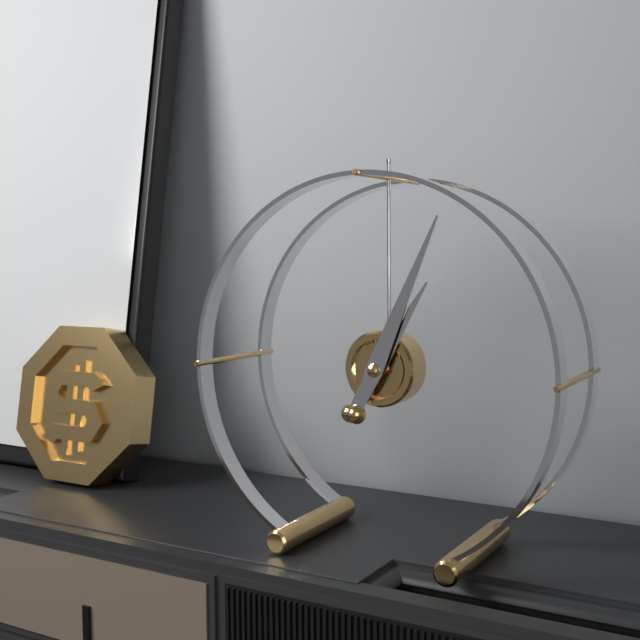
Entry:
1:04
